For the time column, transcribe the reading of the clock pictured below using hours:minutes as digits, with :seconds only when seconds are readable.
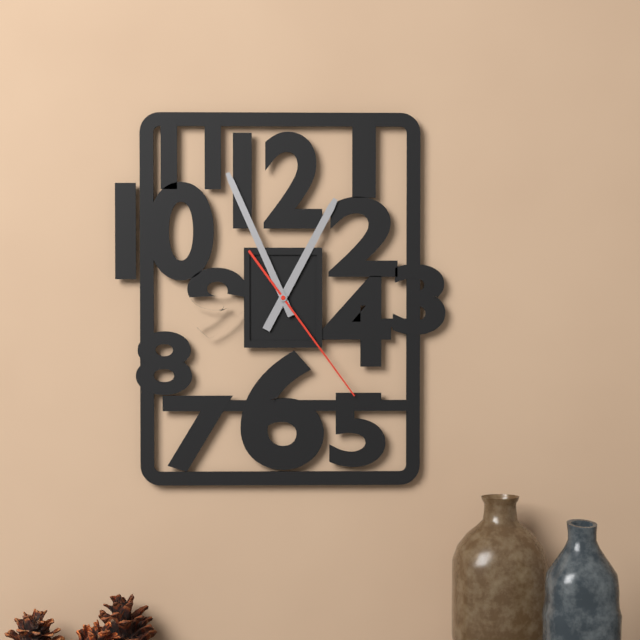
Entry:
12:56:24
